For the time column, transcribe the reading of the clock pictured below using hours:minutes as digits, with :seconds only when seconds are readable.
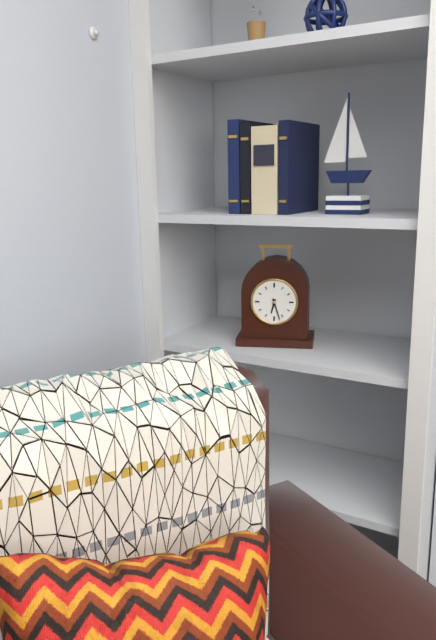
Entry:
6:27
